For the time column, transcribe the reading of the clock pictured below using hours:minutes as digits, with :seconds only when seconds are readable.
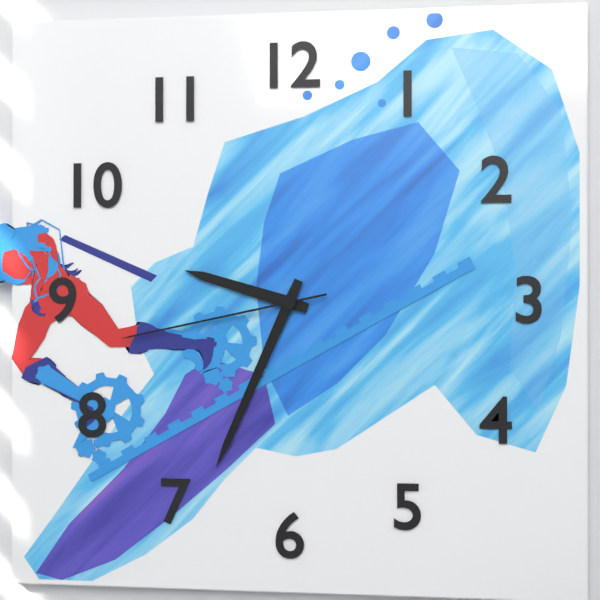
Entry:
9:34:43
